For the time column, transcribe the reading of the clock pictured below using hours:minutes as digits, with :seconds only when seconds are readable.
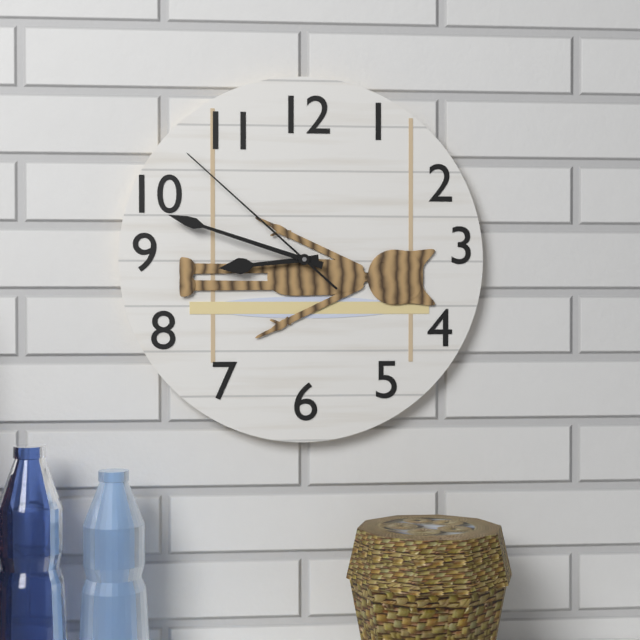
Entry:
8:48:52
